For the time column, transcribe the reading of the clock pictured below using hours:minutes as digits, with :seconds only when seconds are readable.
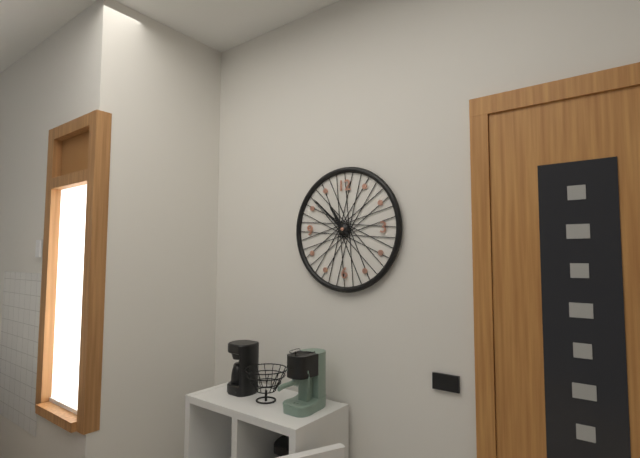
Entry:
10:52
